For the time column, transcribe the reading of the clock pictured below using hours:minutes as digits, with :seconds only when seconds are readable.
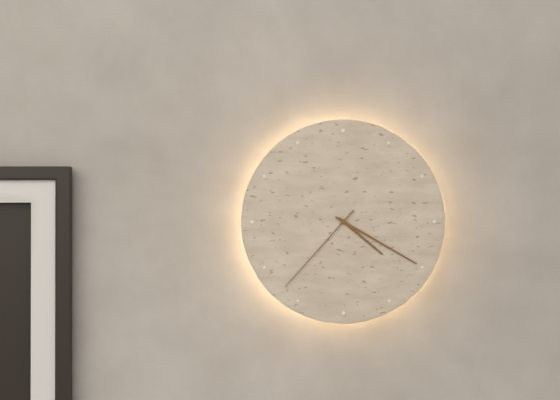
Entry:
4:20:37
